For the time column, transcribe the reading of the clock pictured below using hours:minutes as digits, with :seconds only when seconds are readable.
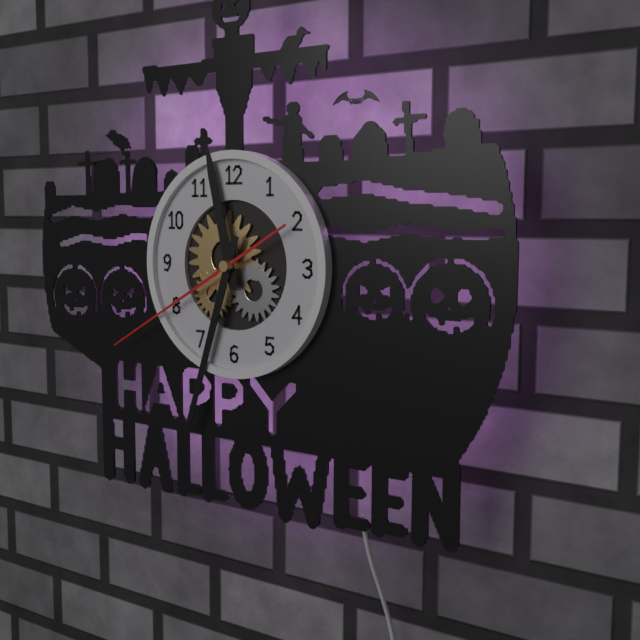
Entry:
11:33:40
